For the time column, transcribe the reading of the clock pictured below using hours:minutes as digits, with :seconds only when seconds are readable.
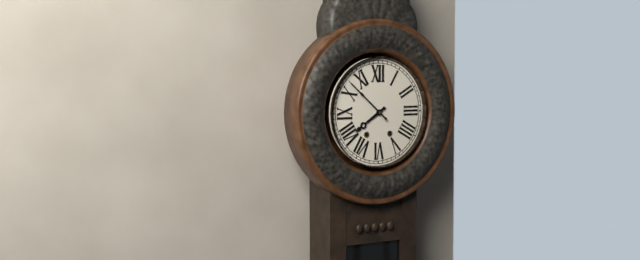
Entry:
7:52
